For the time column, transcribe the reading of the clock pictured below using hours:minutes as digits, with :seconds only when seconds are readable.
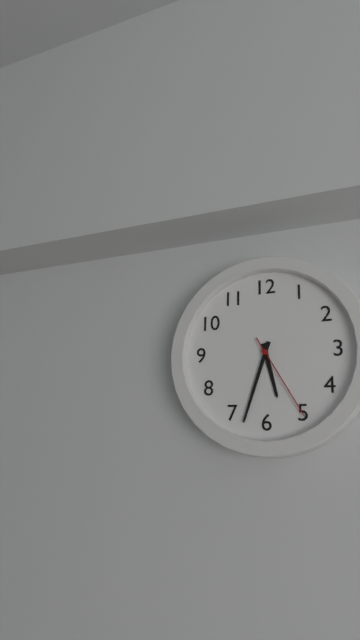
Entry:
5:33:25
